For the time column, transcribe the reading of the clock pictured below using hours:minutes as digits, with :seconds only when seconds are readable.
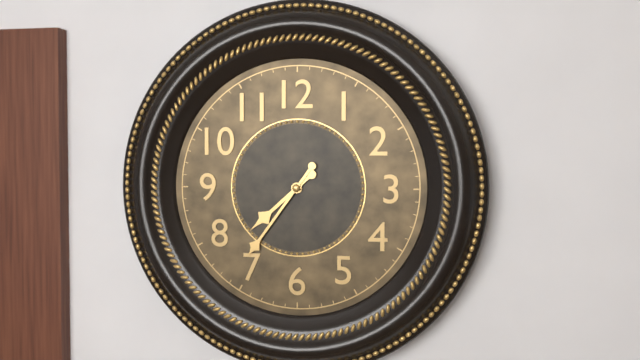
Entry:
7:36
